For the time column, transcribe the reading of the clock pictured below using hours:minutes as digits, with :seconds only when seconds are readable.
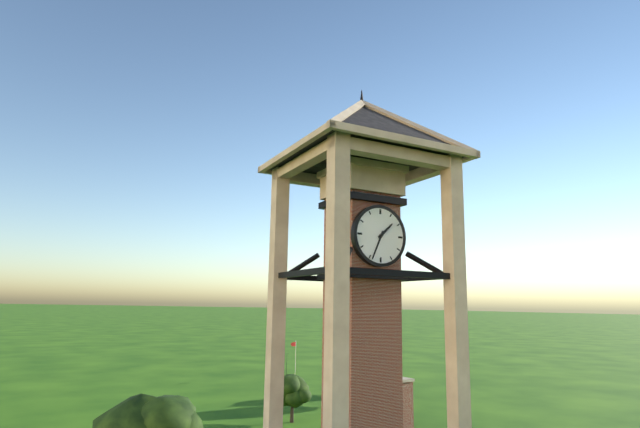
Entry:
1:34
